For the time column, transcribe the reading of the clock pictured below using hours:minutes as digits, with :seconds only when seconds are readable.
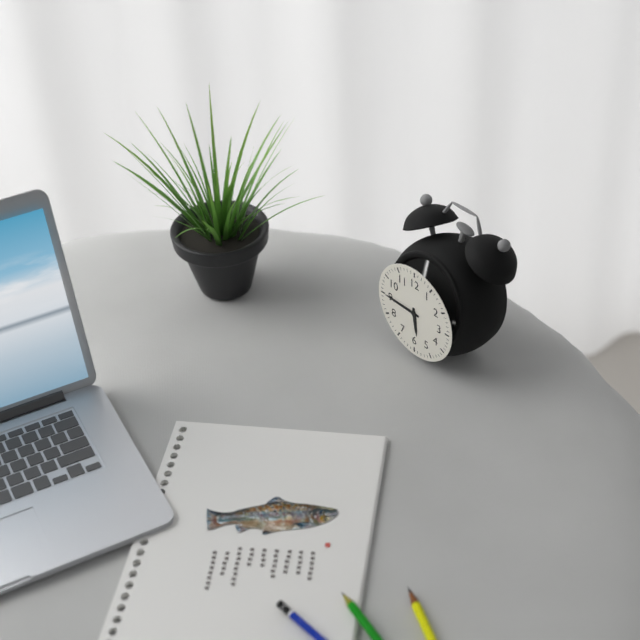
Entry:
5:45
